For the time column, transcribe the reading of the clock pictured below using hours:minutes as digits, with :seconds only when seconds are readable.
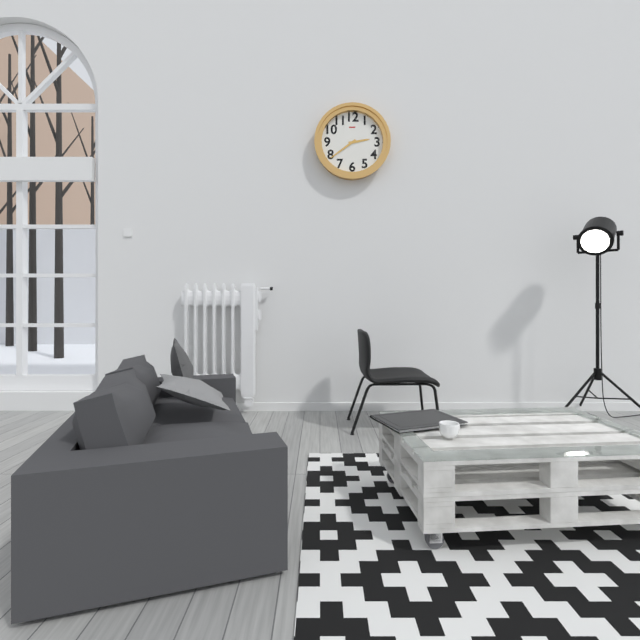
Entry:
2:39
